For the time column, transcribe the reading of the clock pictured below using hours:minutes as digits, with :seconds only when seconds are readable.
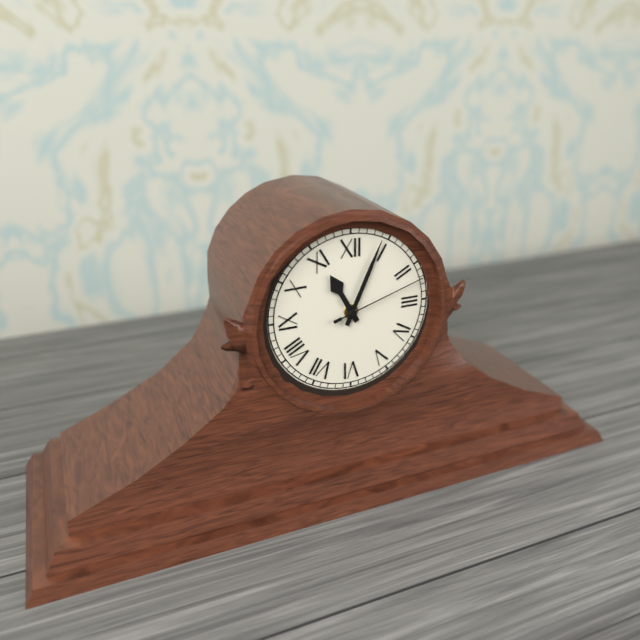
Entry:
11:04:12
